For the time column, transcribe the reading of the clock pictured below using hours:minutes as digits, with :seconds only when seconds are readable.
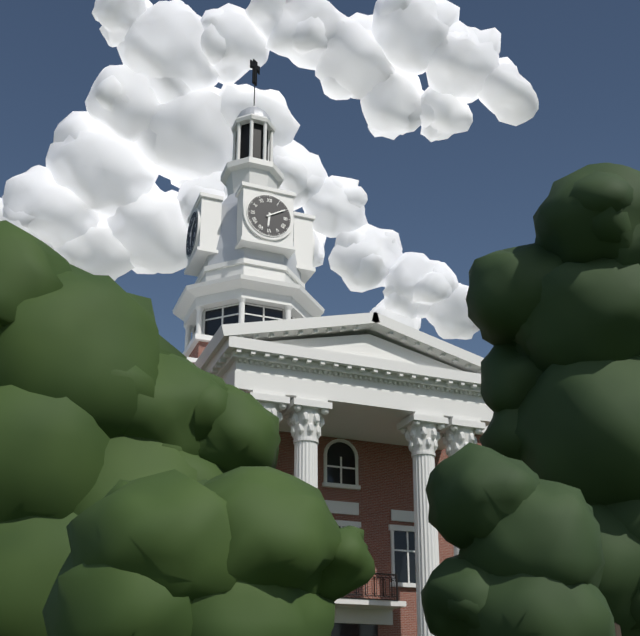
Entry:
6:10
